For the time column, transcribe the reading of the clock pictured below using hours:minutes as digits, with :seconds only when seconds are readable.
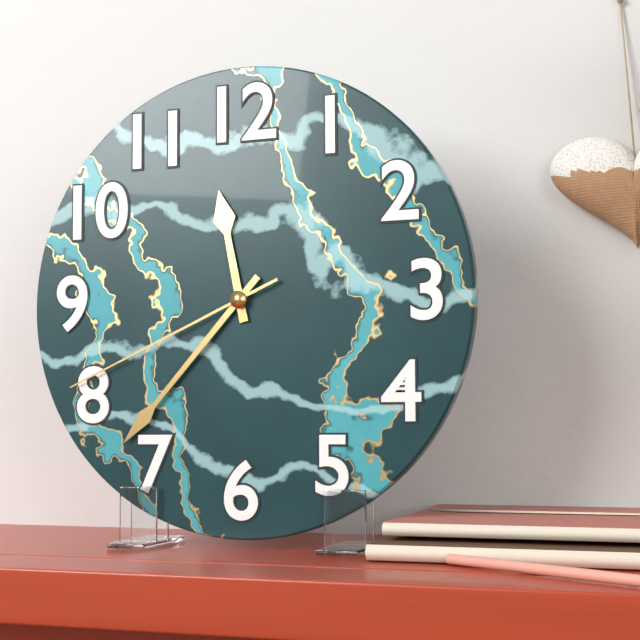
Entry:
11:37:41
